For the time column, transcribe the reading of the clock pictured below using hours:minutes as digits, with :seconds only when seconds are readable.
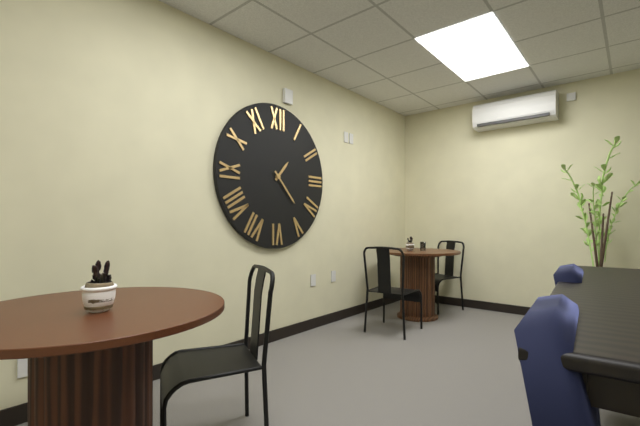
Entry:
1:23
